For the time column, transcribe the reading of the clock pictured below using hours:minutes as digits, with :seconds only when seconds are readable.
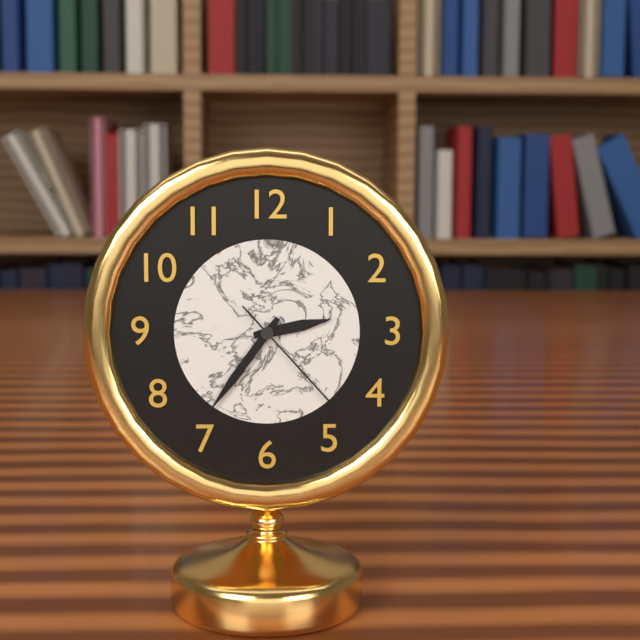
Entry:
2:36:23
